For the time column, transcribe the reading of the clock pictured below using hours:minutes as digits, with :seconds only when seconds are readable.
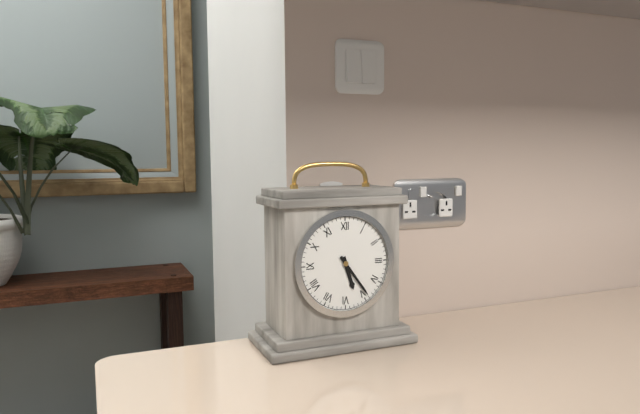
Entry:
5:24
